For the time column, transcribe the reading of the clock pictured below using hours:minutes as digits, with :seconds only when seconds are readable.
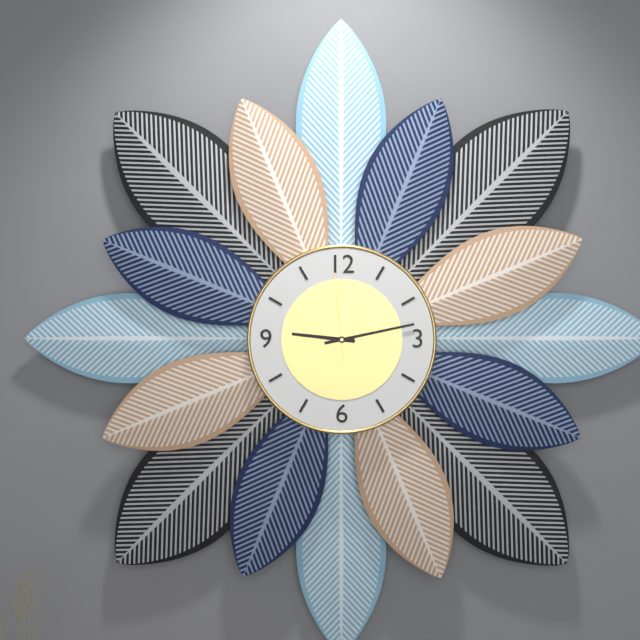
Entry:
9:13:59
